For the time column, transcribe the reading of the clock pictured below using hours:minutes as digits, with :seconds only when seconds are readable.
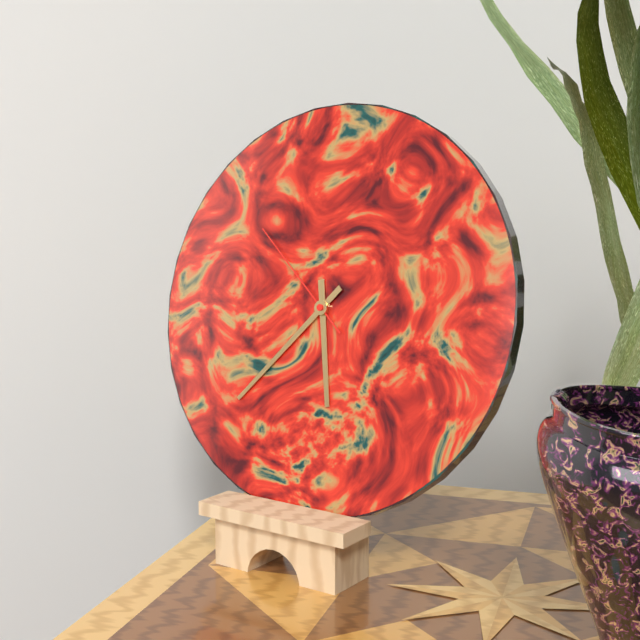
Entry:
5:37:52
